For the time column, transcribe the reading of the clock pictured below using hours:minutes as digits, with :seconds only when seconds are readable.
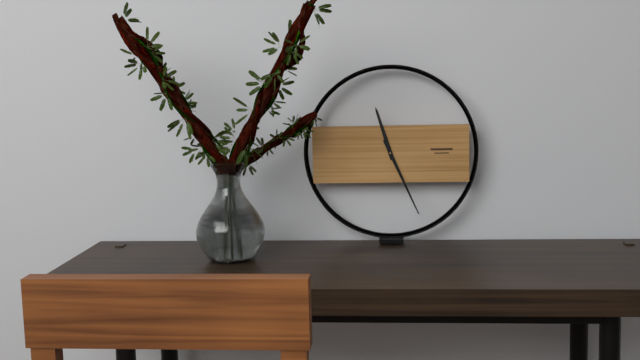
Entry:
11:26
